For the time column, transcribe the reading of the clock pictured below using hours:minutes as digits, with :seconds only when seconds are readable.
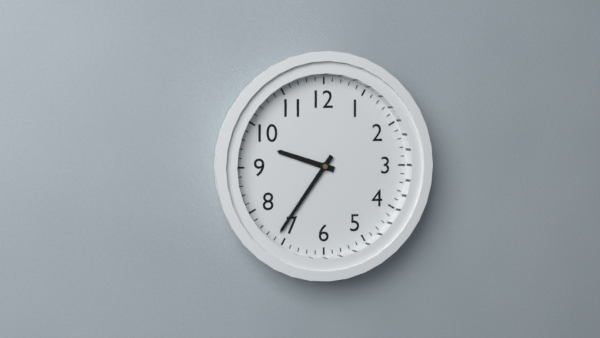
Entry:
9:36
